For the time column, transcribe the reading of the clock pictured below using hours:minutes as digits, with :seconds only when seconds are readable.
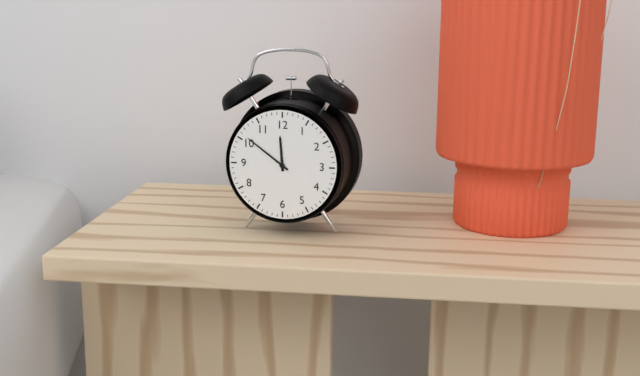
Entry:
11:51
